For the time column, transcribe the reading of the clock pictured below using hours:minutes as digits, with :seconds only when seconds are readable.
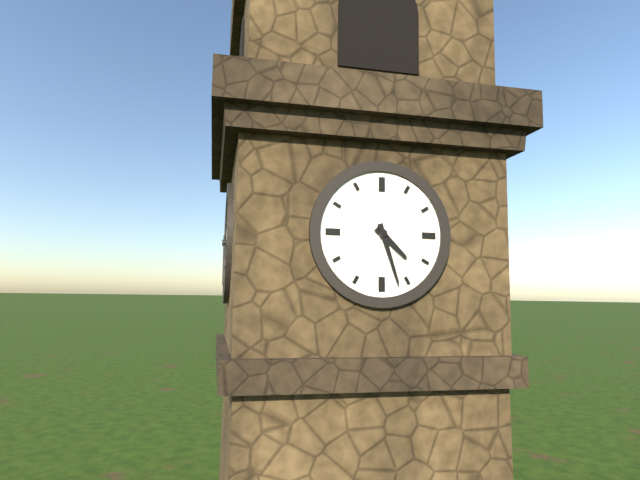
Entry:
4:27
